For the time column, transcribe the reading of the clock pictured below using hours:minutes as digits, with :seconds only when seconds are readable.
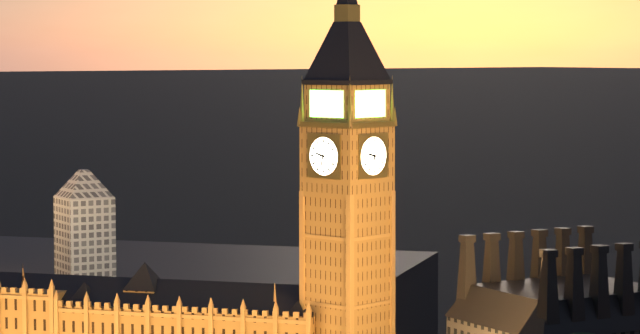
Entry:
9:32
